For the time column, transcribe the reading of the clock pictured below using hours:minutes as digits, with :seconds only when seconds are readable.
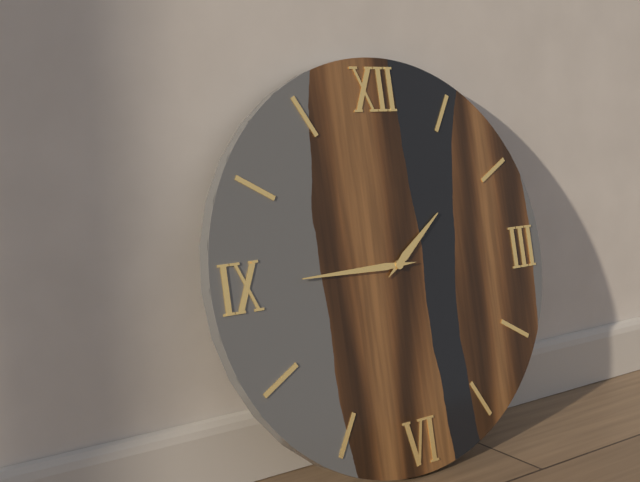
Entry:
1:45
